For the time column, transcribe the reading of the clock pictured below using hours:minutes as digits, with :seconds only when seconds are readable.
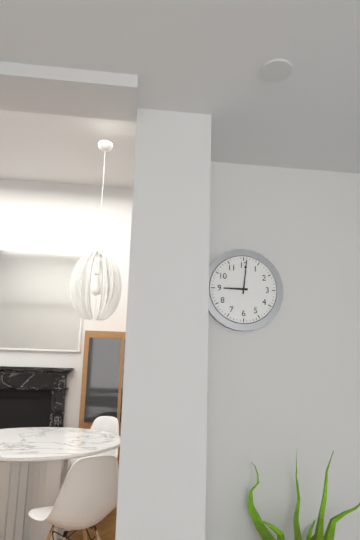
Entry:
9:01
